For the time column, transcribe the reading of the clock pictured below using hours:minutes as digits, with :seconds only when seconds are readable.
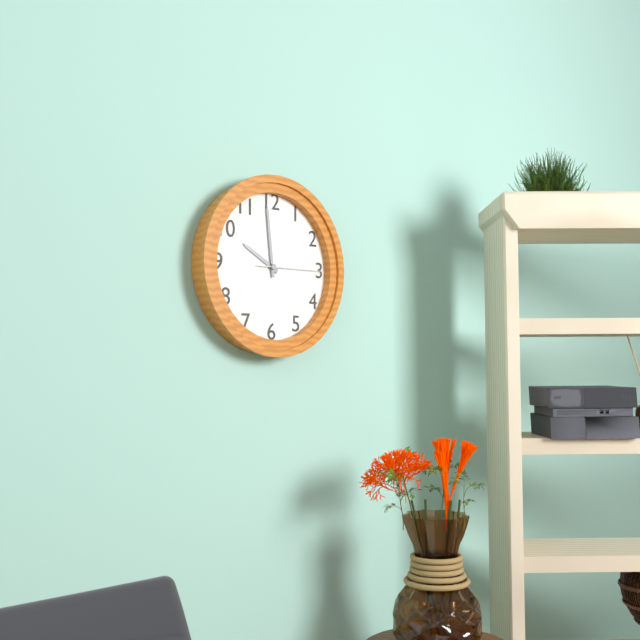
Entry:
9:59:15
